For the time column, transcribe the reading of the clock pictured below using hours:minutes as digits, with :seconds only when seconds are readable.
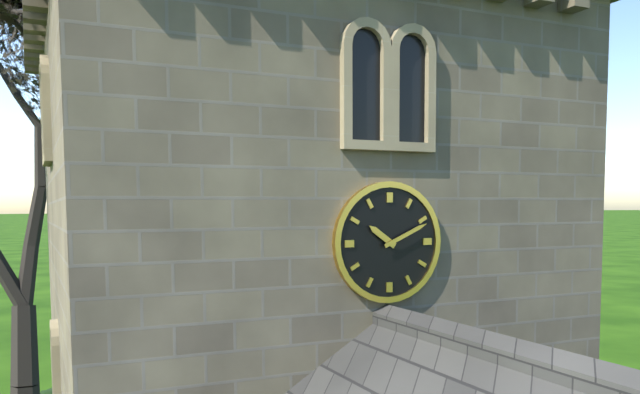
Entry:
10:11
